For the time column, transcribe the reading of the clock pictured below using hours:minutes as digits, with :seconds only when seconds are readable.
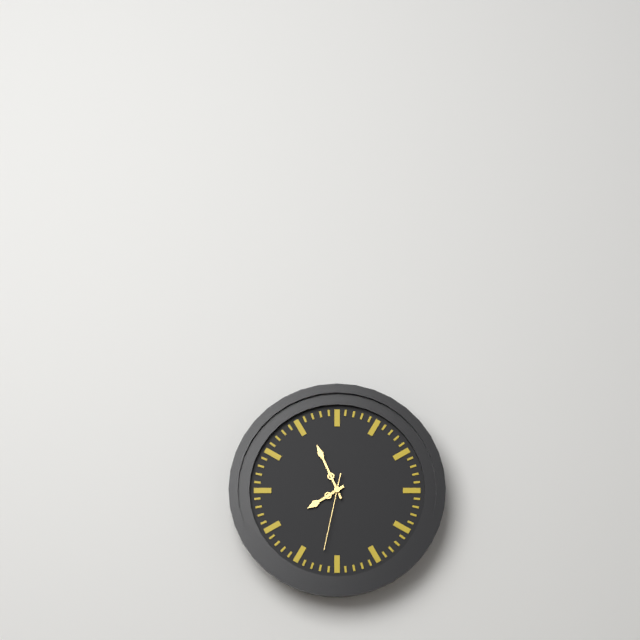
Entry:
7:56:32
